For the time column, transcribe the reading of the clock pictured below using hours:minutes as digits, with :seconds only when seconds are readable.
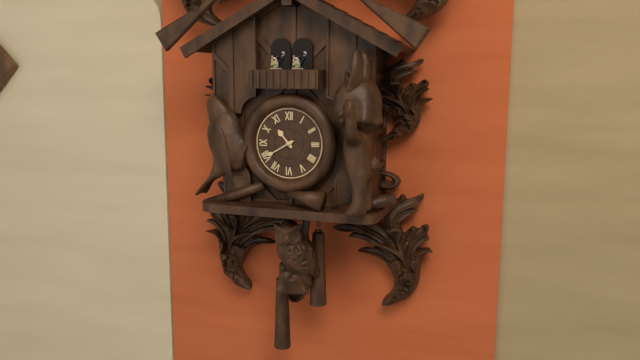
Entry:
10:40
